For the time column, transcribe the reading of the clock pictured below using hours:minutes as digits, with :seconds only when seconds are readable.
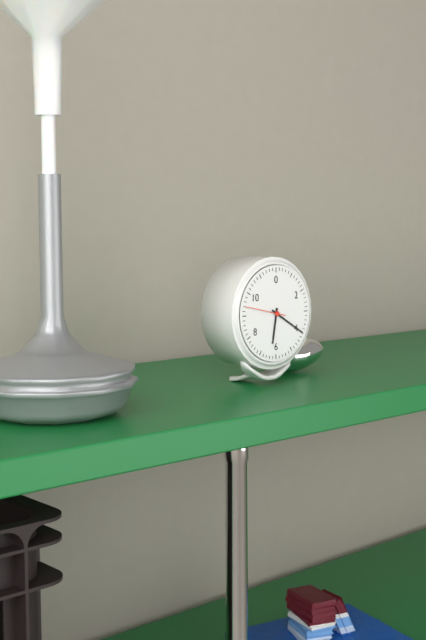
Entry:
6:20
